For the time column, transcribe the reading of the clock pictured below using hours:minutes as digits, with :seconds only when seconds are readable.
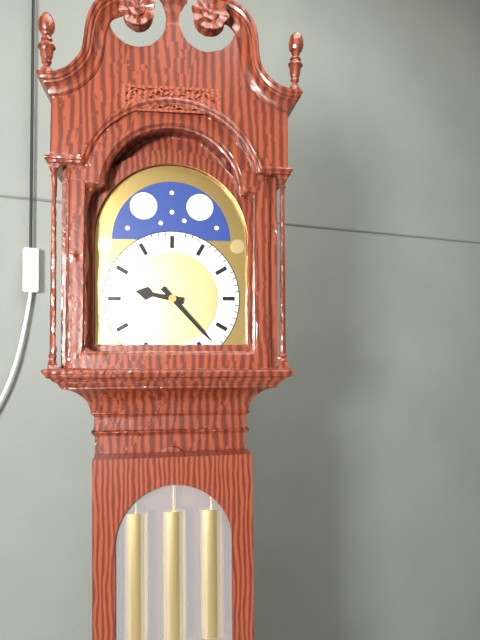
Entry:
9:23
